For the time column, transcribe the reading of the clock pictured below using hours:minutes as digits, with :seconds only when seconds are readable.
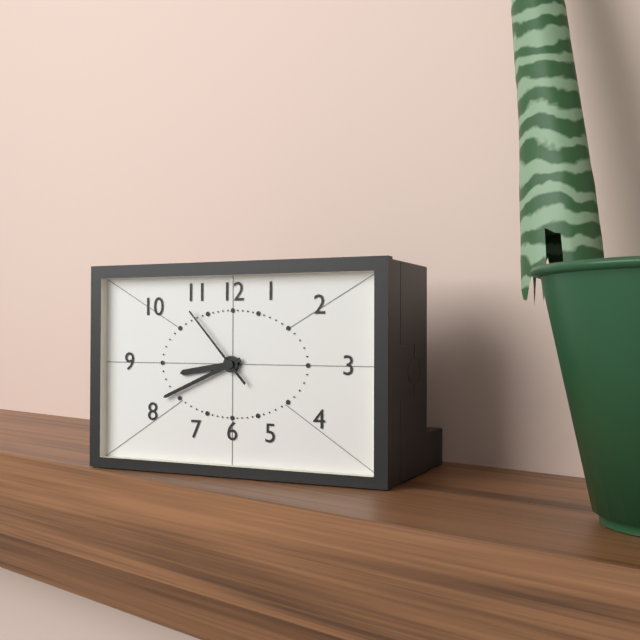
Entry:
8:41:53
